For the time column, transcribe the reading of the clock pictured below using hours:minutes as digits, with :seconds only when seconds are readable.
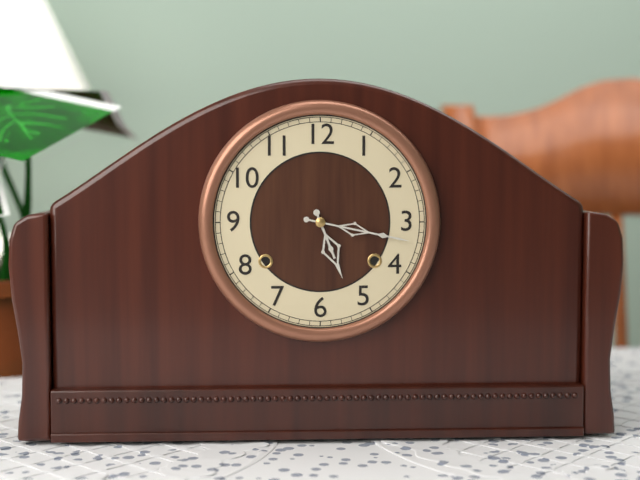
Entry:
5:17
